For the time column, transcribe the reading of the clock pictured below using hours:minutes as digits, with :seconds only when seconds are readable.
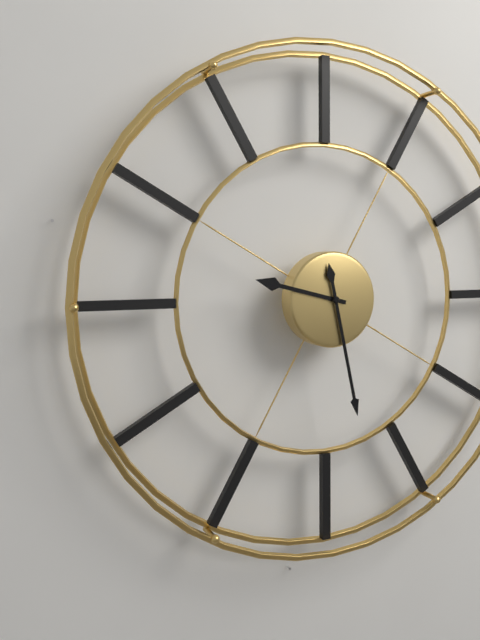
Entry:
9:28
